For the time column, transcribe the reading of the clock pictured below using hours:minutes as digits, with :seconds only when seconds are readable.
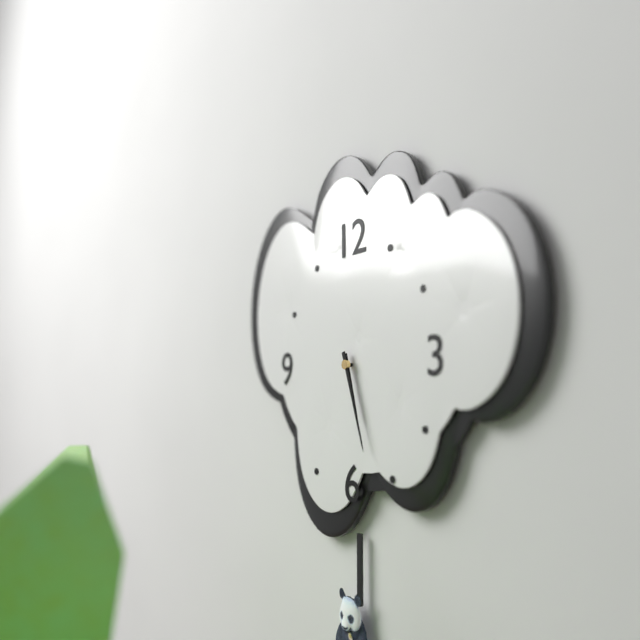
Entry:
5:27
